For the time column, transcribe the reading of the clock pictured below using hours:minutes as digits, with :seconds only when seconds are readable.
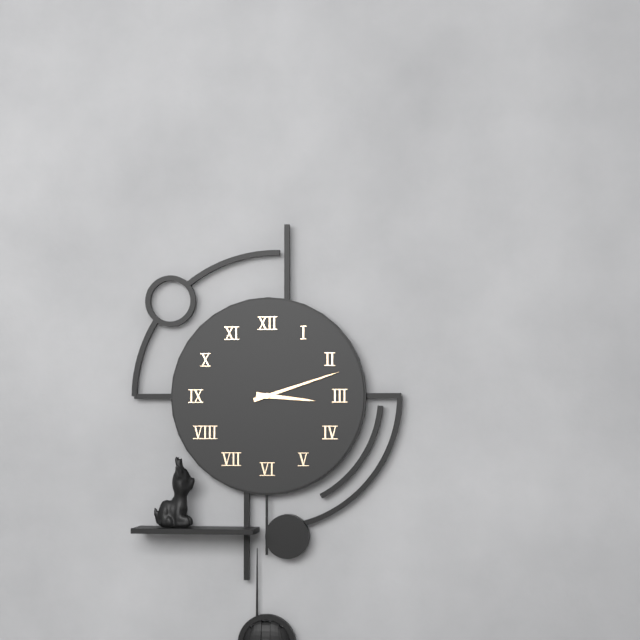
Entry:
3:12
